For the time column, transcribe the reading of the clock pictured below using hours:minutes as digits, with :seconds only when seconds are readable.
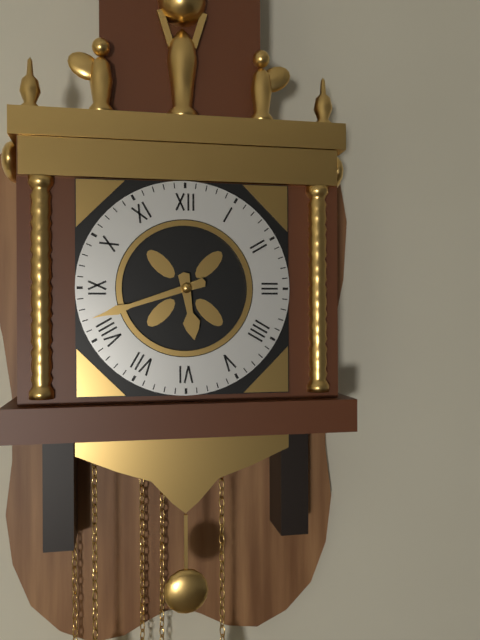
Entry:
5:42
